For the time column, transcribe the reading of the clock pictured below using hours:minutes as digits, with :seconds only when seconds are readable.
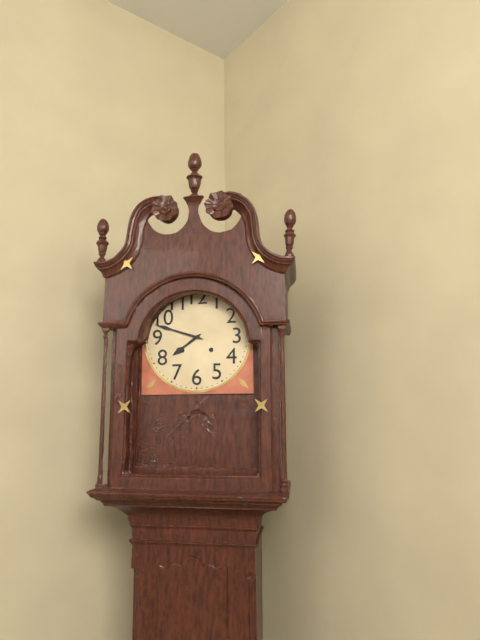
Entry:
7:48
